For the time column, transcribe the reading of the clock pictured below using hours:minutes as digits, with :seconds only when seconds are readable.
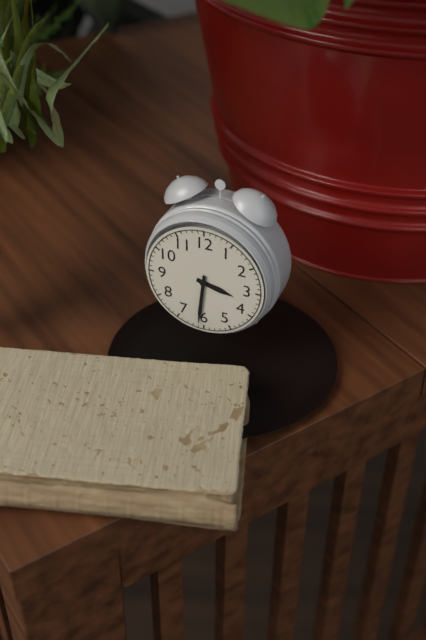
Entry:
3:31
